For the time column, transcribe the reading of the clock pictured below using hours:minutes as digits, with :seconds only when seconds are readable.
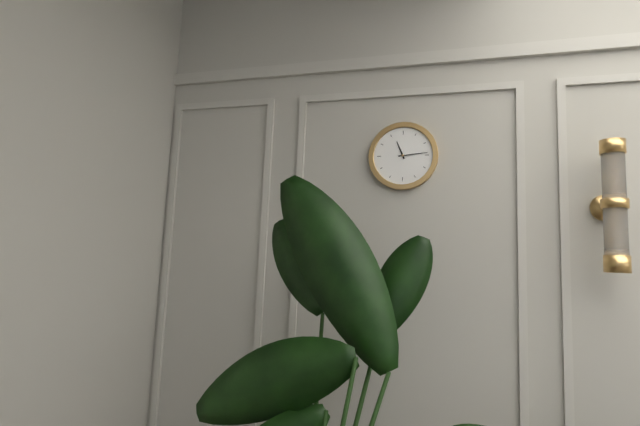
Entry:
11:14
